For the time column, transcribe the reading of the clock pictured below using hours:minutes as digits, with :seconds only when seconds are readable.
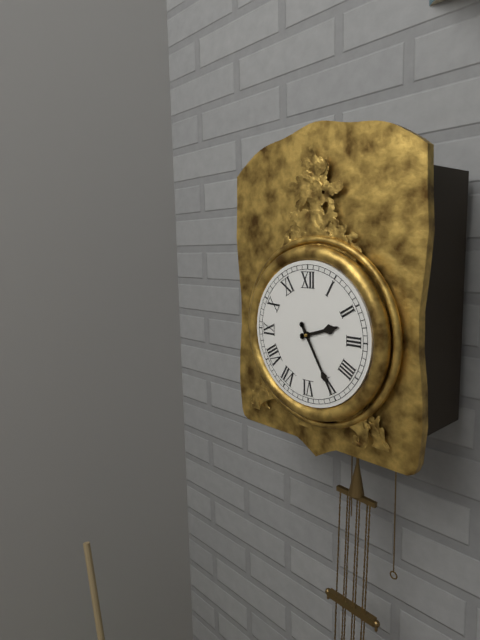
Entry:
2:25
